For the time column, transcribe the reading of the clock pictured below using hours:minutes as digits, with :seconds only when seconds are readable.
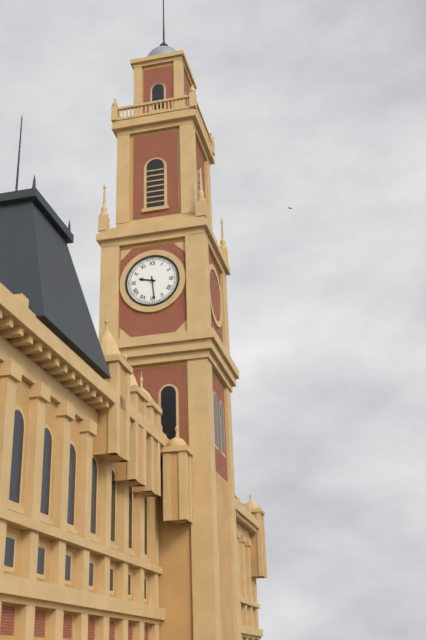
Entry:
9:29
